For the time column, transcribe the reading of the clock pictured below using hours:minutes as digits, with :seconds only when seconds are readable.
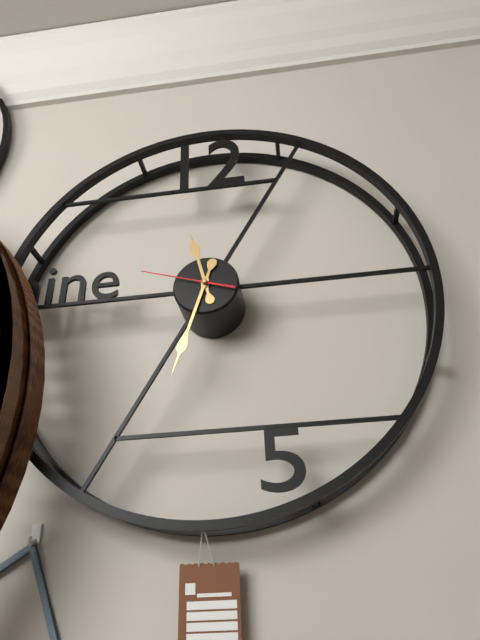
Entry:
11:33:48
